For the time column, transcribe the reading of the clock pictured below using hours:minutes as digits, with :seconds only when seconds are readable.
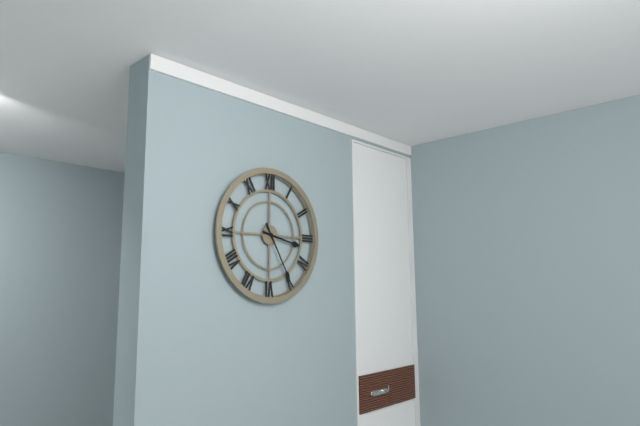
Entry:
3:25
